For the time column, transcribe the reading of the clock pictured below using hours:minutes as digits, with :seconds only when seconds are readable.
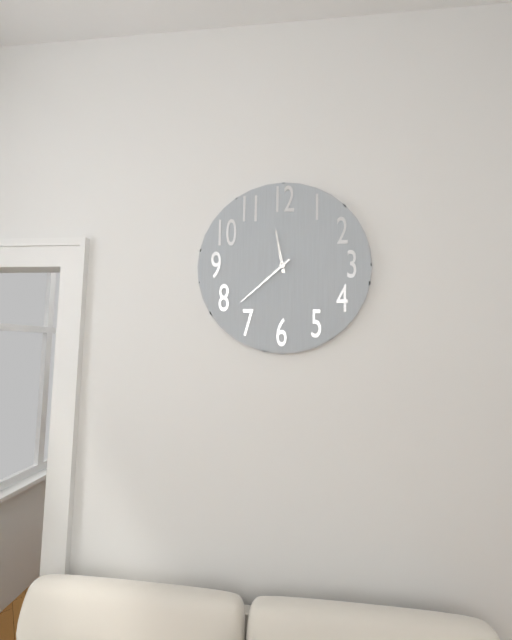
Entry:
11:38
